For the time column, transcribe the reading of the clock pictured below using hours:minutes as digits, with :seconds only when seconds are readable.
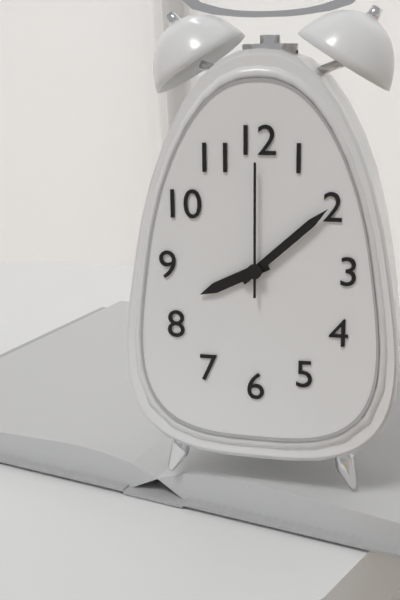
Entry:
8:08:00
